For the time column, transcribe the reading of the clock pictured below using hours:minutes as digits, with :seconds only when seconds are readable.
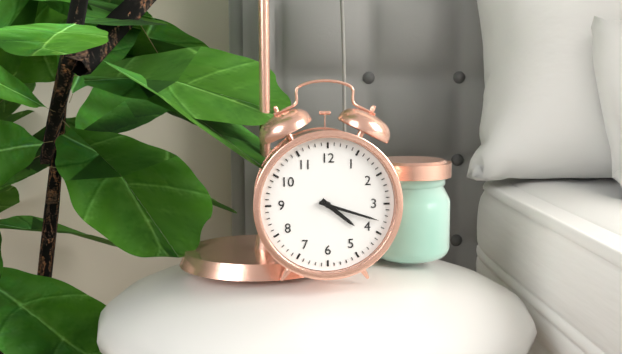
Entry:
4:18
